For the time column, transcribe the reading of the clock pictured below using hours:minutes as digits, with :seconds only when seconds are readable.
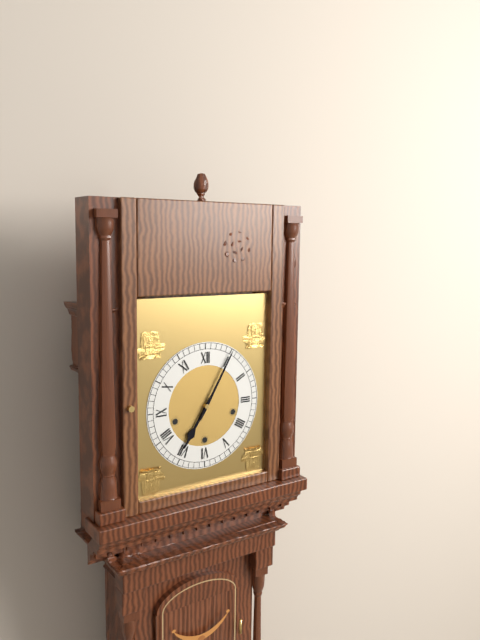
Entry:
7:05
